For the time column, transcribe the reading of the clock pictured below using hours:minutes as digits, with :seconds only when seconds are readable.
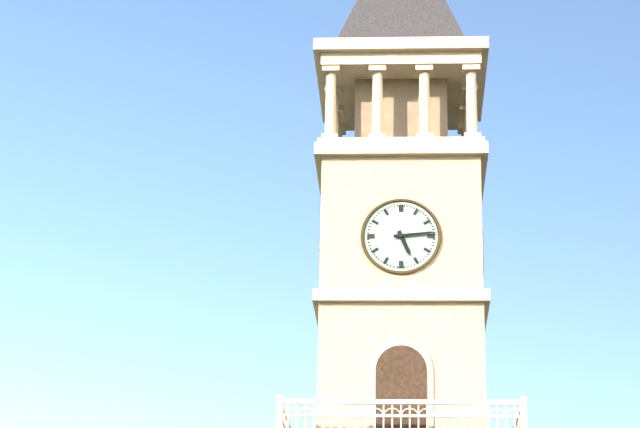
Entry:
5:14
